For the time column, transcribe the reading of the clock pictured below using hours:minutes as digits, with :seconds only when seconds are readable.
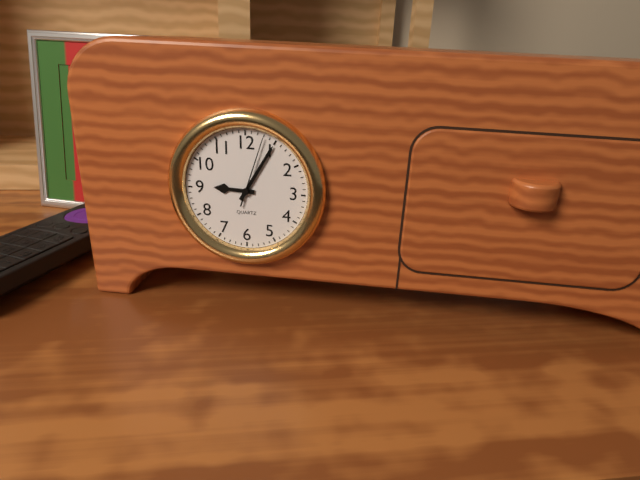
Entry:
9:05:03
